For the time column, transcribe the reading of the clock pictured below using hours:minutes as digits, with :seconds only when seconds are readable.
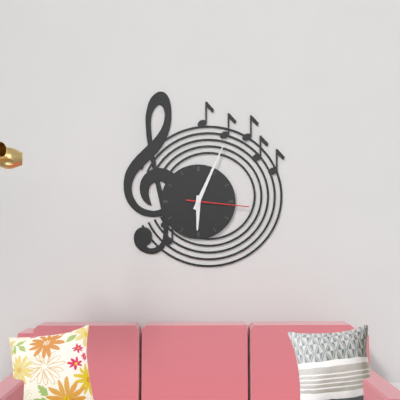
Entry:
6:04:16
